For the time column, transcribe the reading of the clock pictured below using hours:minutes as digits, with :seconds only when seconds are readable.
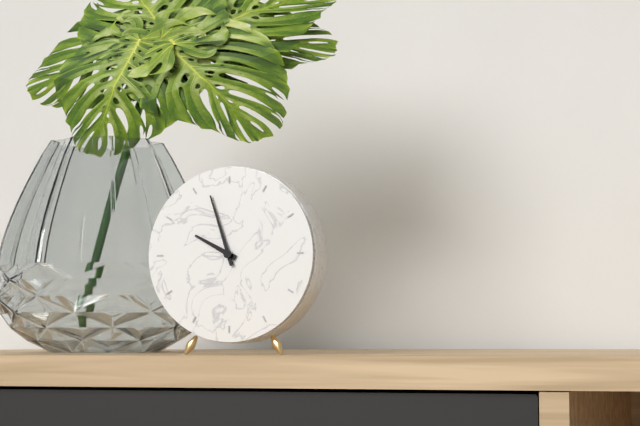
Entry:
9:57
